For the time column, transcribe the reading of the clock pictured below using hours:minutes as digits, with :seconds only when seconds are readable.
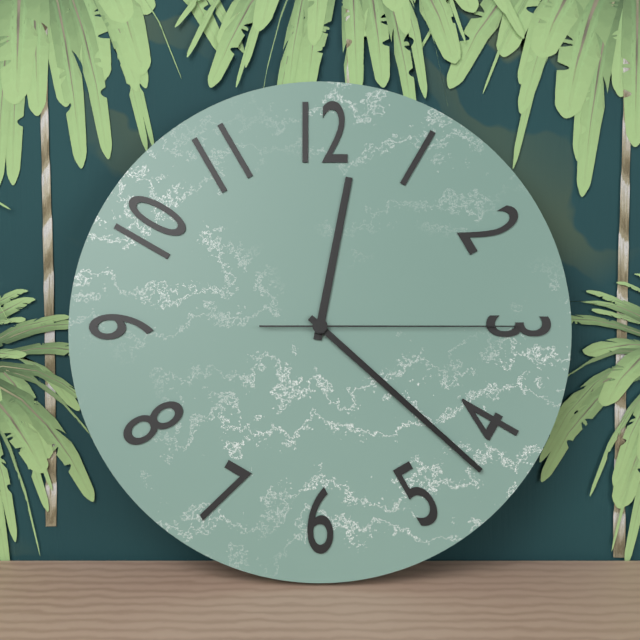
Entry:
12:22:15
